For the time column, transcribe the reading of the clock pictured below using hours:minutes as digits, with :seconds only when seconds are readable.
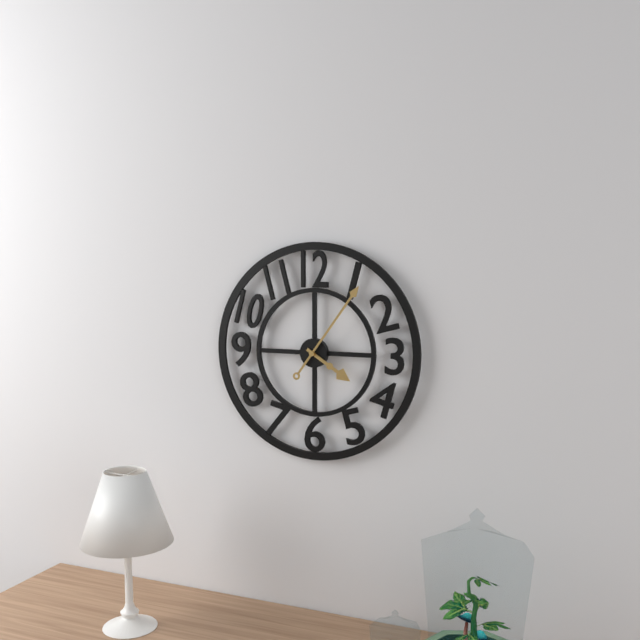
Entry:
4:06
